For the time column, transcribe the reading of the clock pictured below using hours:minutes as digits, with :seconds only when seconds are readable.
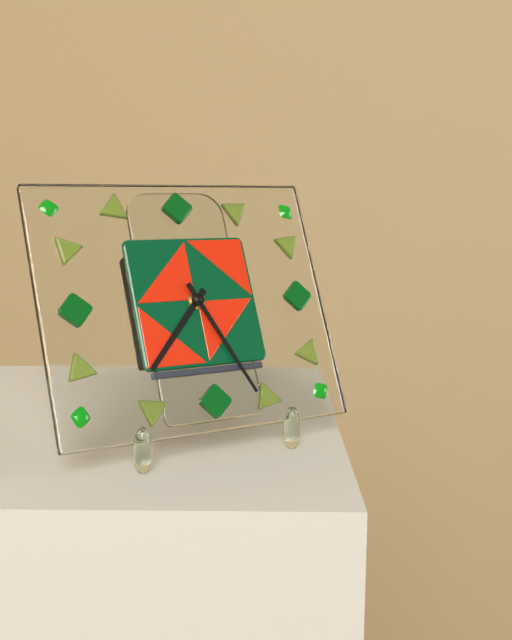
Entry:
7:26
